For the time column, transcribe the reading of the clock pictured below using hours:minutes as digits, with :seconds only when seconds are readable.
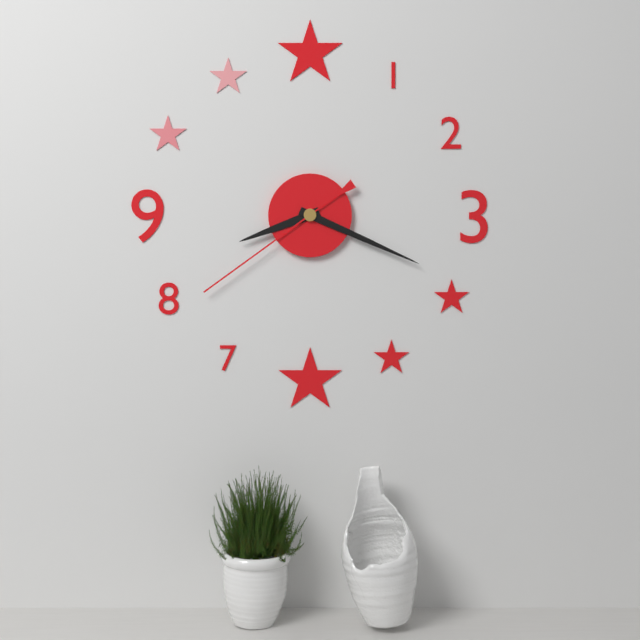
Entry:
8:19:39
